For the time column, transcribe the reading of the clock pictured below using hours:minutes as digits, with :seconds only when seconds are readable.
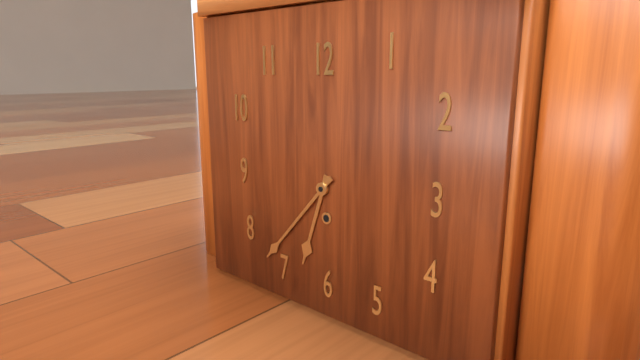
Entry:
6:37
